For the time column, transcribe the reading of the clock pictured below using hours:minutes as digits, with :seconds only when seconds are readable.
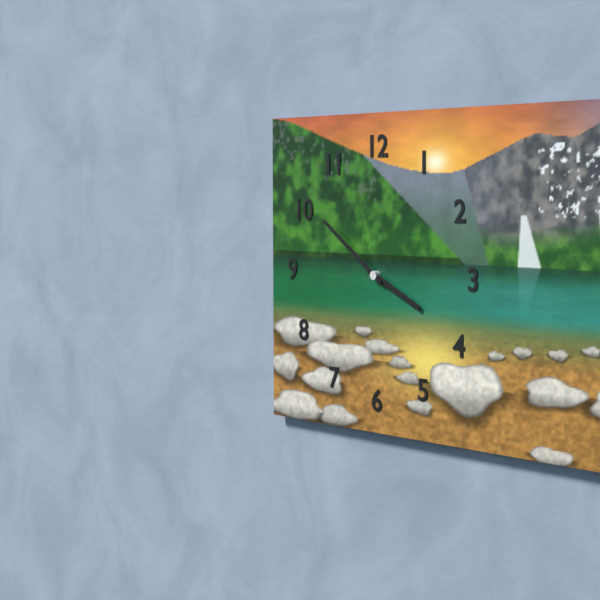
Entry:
3:51
